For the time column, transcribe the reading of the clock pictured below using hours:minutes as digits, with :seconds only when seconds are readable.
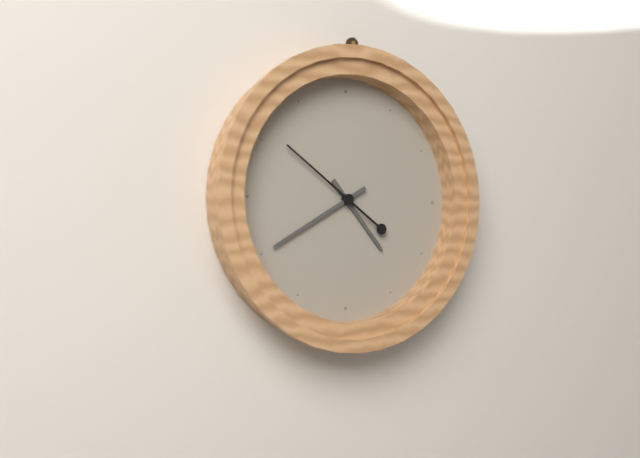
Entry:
4:40:51
